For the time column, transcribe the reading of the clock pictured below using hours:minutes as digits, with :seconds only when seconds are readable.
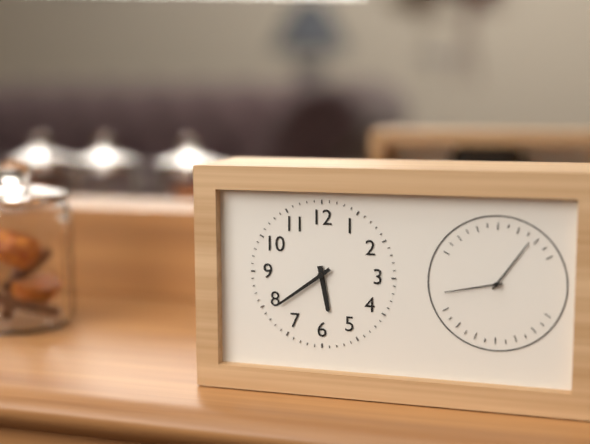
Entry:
5:39
